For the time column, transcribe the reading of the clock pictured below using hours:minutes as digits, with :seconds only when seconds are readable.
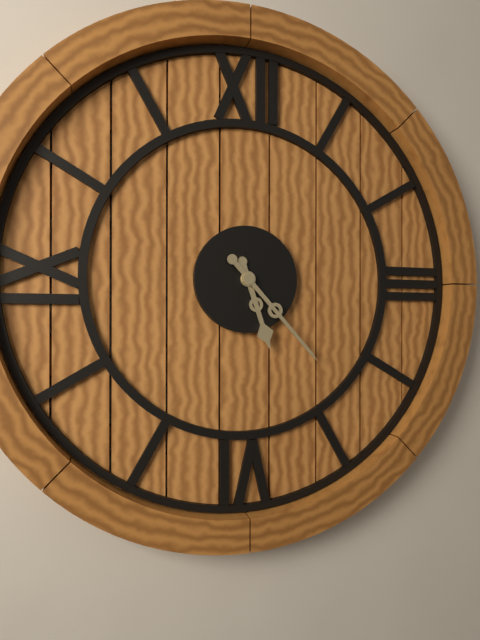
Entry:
5:23
